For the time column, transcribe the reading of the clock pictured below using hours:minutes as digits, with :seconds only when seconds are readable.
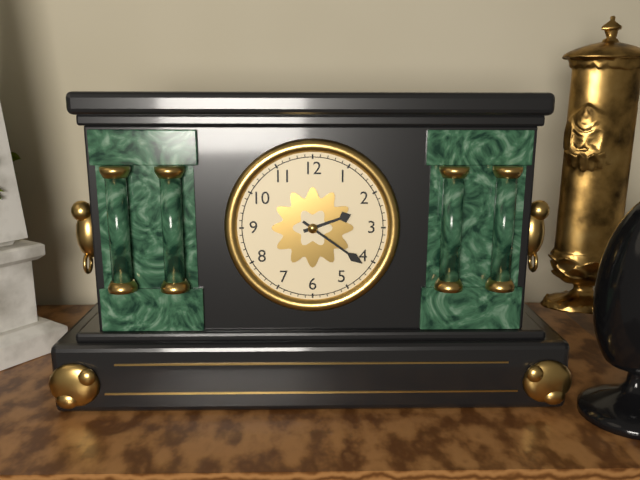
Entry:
2:21
